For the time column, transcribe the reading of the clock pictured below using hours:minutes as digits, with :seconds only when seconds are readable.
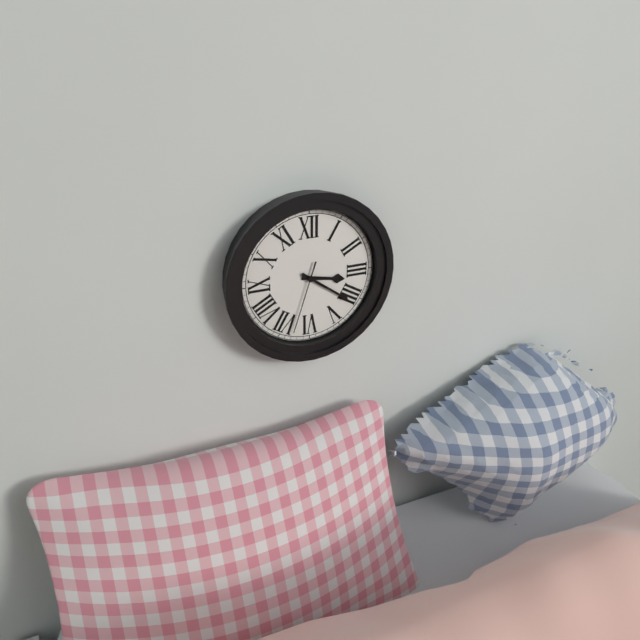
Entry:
3:21:33
